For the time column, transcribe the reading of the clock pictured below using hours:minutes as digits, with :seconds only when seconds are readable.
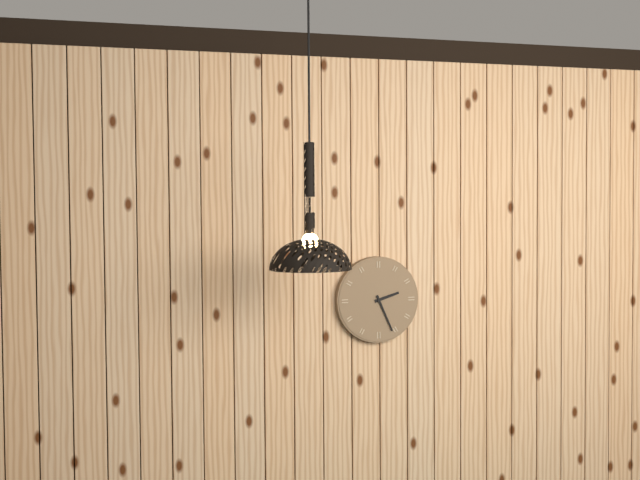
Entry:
2:26
